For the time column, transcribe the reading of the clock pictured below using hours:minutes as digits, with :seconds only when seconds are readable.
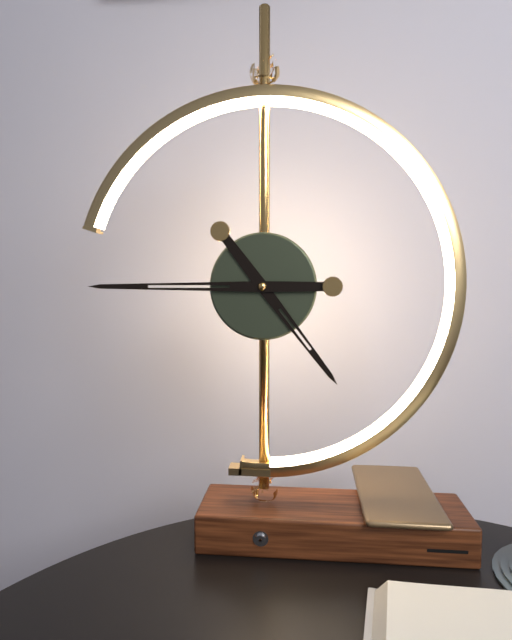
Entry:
4:45
